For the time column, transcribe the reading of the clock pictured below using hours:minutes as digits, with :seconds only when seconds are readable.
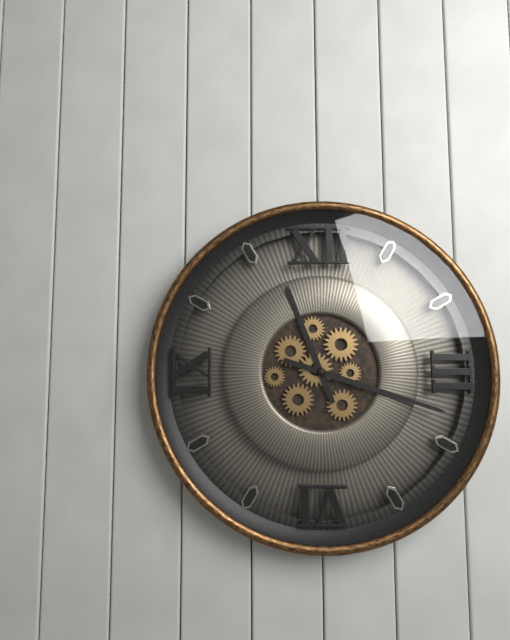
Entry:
11:18
